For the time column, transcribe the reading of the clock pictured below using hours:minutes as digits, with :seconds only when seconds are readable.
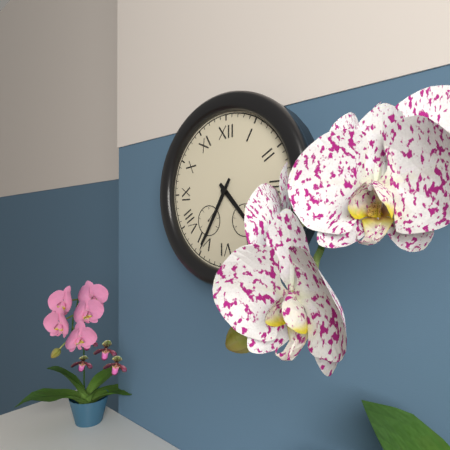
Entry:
4:35
